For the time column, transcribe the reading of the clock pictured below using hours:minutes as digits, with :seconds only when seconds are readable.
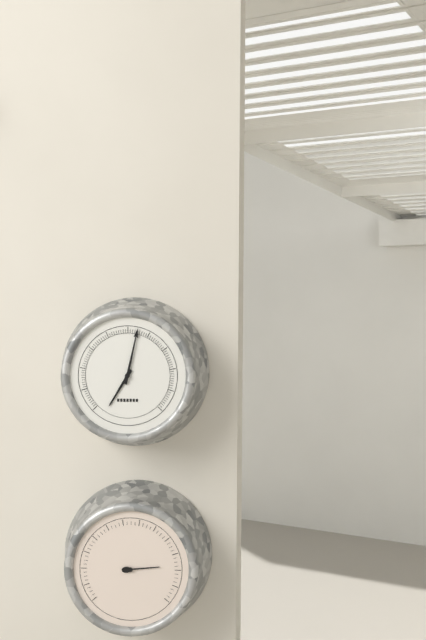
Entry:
7:02
